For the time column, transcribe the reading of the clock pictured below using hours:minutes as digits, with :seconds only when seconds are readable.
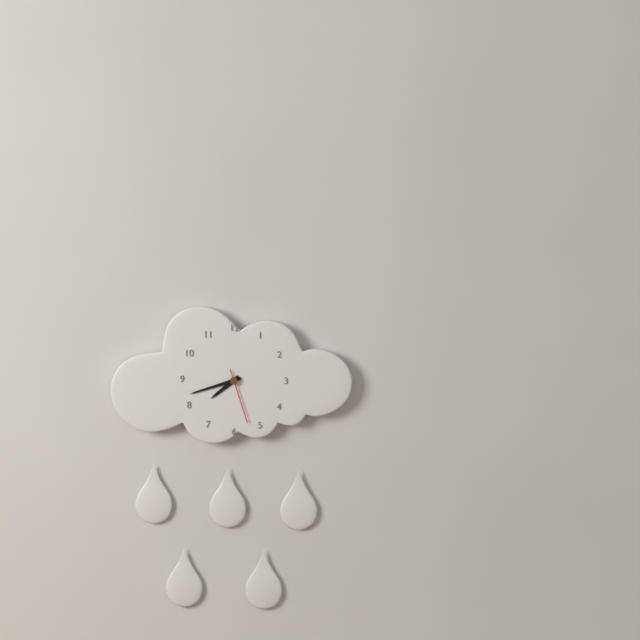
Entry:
7:42:27
